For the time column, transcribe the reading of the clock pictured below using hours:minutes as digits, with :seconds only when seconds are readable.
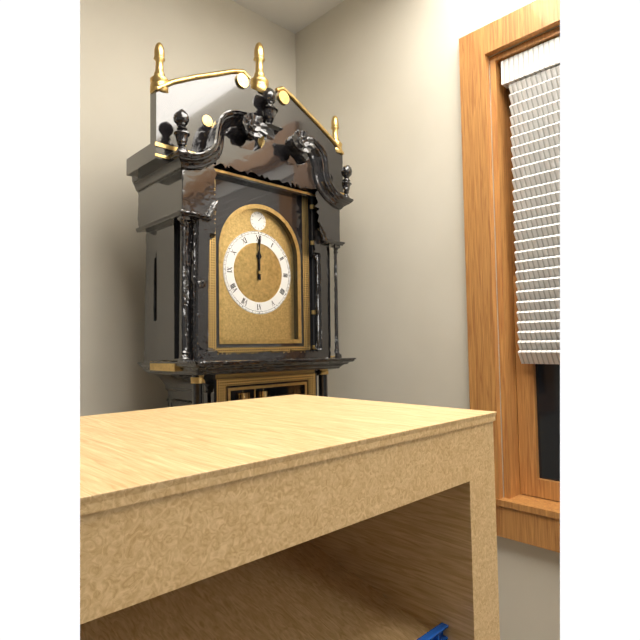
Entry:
12:00
